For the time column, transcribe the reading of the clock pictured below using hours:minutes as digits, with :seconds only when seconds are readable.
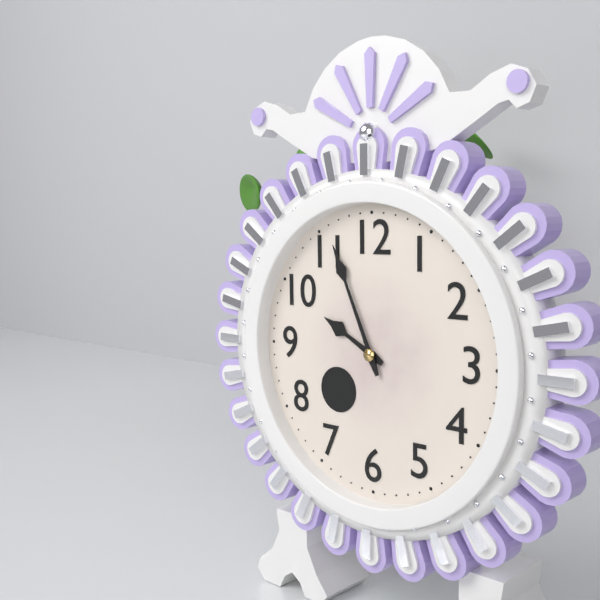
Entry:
9:56
